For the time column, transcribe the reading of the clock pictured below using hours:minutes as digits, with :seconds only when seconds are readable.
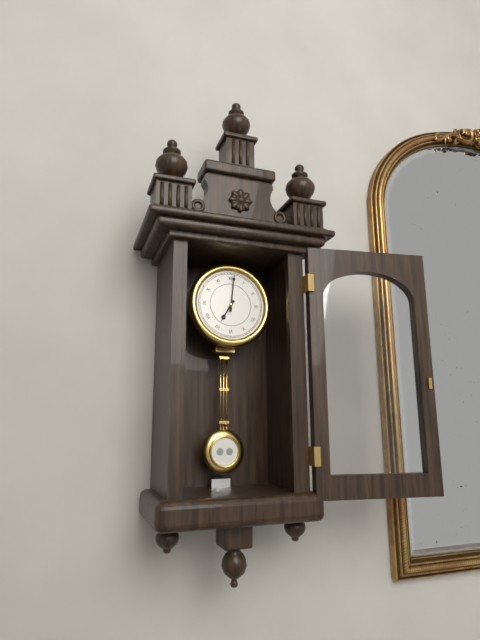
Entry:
7:01
